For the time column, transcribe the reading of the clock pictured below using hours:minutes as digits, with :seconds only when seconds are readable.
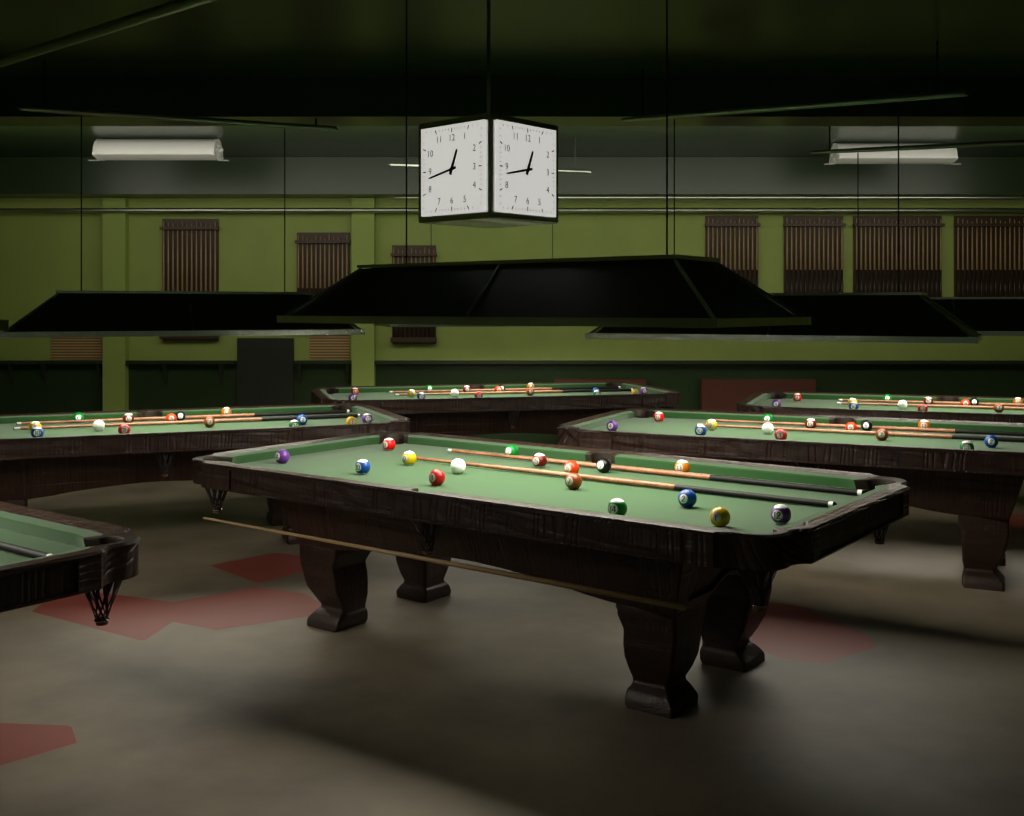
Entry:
12:43
